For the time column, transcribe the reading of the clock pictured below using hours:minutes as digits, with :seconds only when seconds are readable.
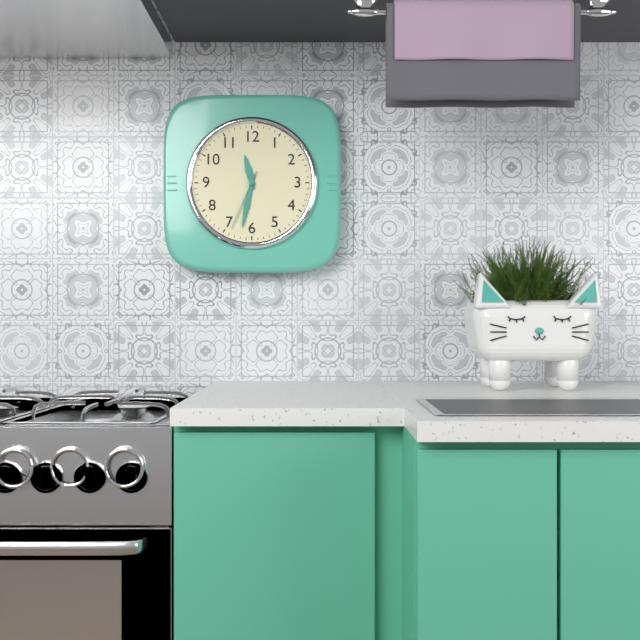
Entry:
11:32:34
